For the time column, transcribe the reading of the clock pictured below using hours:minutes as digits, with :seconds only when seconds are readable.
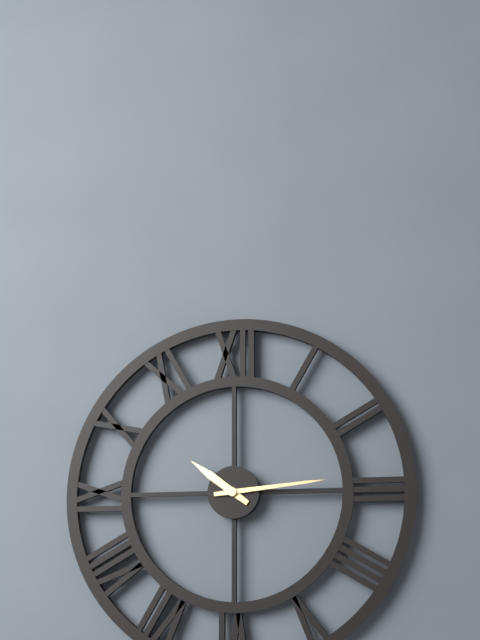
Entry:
10:14
